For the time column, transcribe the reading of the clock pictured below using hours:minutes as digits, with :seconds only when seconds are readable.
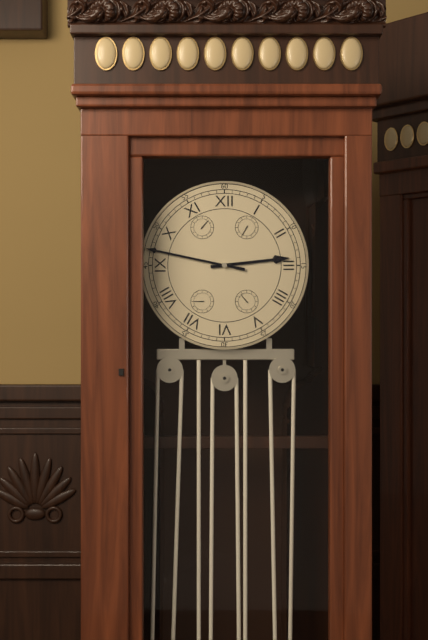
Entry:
2:47
